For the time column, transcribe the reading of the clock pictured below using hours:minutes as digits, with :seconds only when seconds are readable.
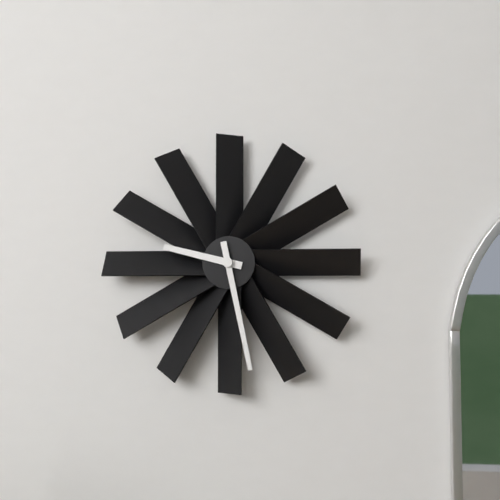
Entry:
9:28
